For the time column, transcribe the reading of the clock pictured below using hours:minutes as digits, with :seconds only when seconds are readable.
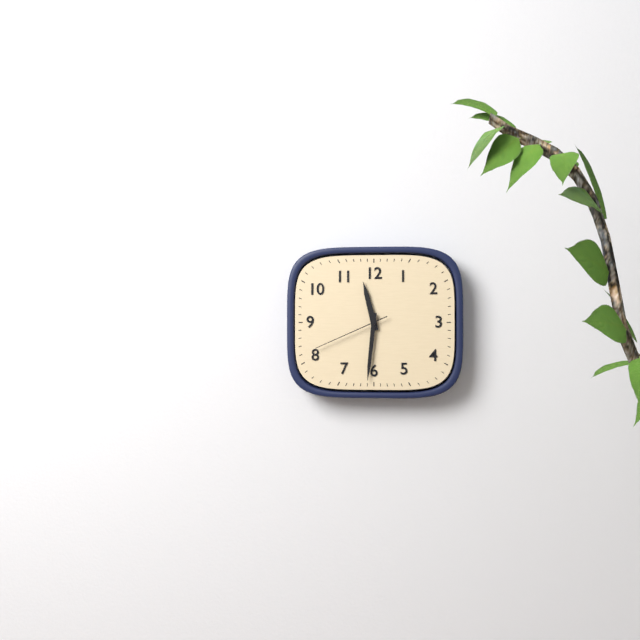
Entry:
11:31:41
